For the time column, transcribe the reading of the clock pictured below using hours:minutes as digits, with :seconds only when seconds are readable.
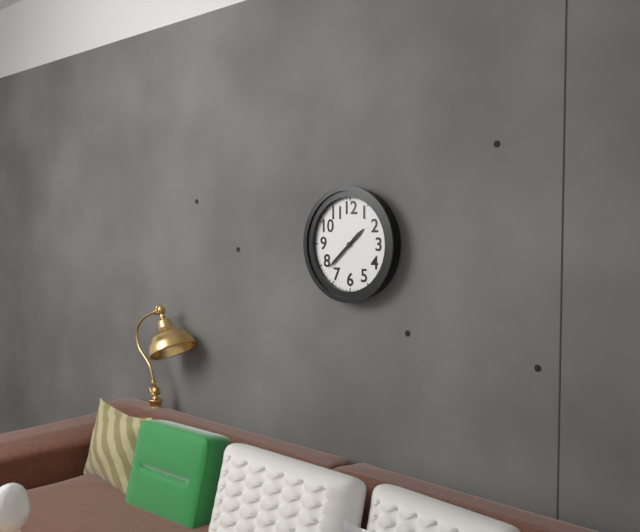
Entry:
1:38
